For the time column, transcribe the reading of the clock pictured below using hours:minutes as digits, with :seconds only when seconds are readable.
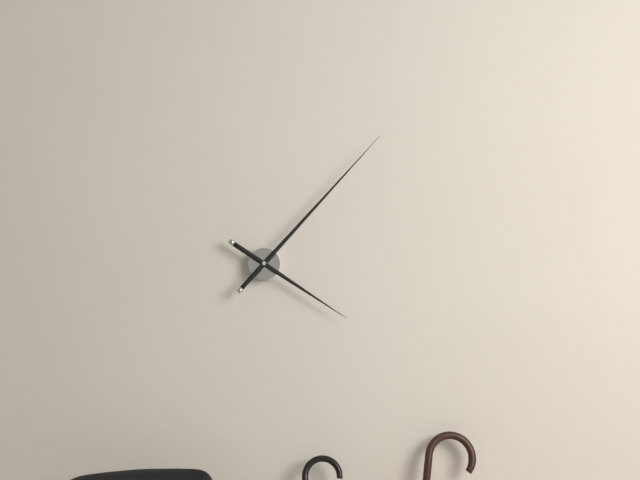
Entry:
4:07
